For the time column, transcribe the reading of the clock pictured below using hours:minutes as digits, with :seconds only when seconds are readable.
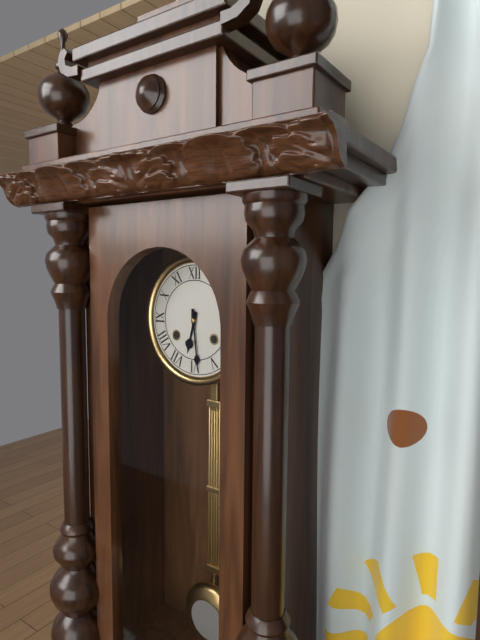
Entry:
6:29
